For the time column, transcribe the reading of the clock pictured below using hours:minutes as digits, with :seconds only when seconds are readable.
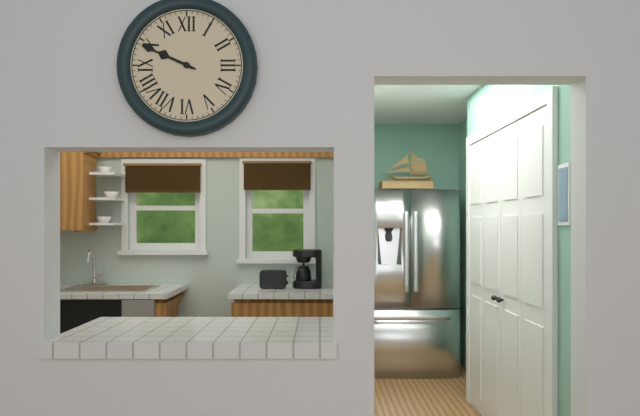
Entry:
9:49
